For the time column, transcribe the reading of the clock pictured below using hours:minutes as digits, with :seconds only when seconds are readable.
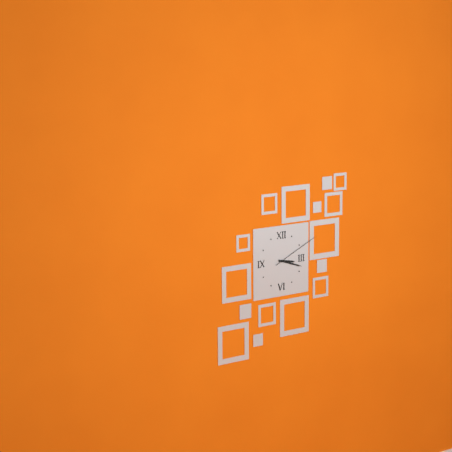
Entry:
3:18:11
